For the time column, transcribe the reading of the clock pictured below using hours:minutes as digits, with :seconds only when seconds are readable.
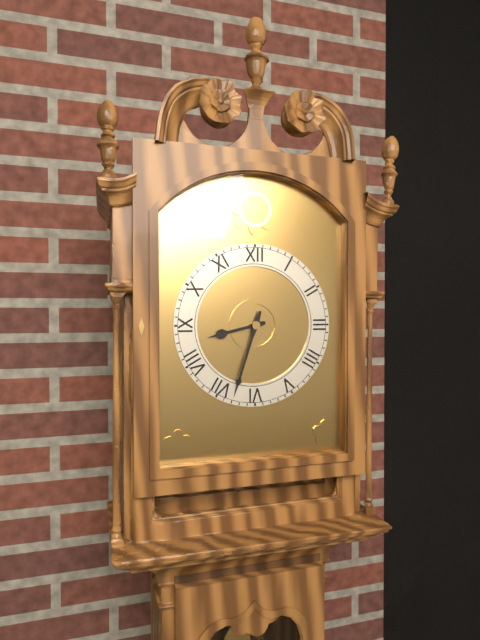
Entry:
8:33
